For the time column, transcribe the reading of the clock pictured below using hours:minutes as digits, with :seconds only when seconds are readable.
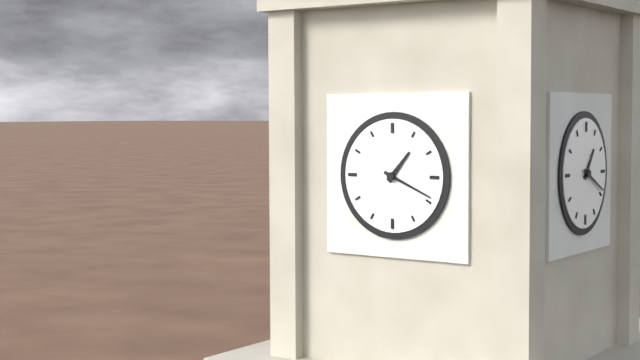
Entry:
1:19
